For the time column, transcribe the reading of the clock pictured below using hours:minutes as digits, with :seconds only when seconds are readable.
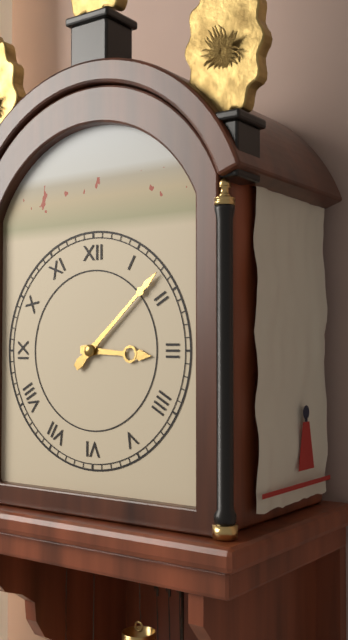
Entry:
3:08
